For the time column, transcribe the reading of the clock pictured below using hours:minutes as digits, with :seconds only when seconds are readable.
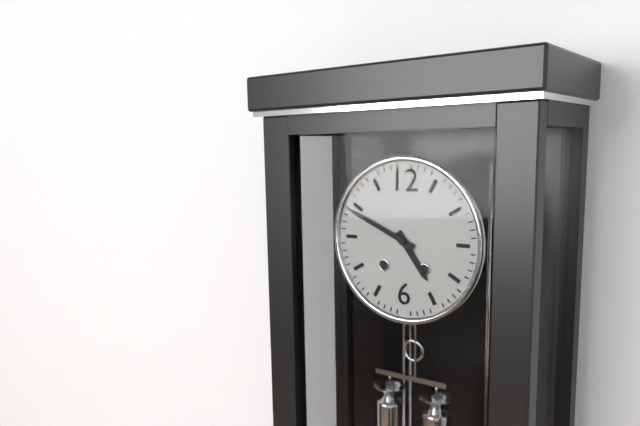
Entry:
4:49
